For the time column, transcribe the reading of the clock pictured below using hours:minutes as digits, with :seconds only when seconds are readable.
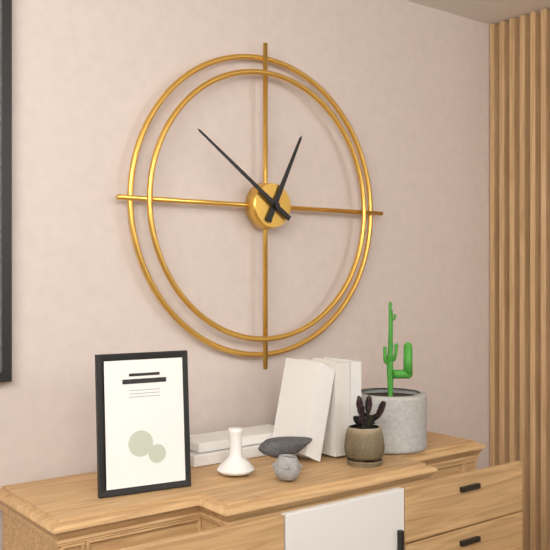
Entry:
12:51
